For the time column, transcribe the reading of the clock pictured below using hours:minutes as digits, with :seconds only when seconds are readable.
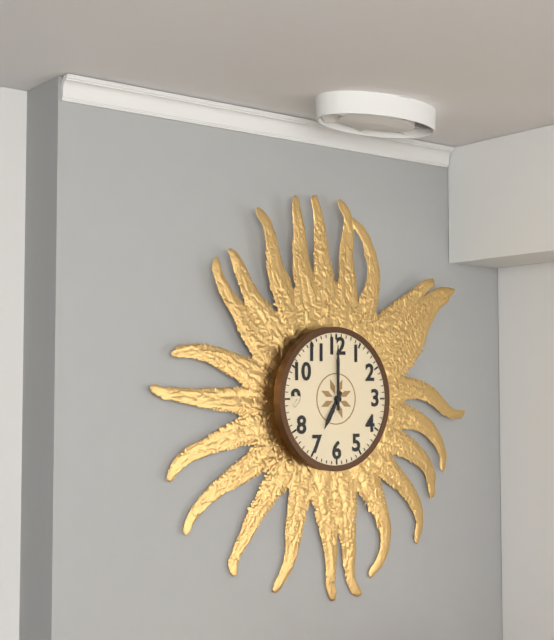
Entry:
7:00
